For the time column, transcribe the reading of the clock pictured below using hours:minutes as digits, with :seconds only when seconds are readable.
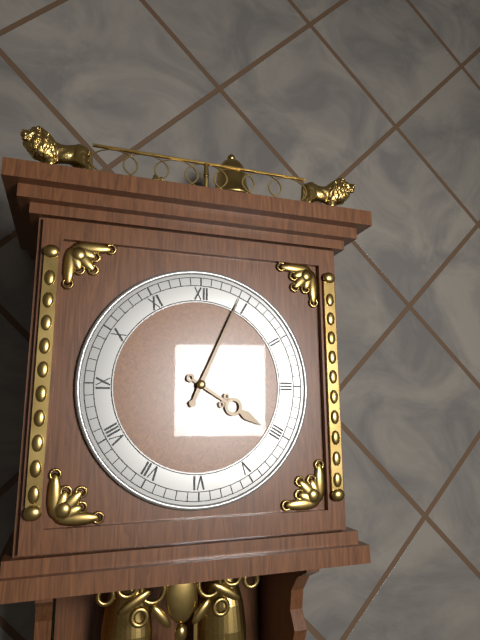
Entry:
4:04
